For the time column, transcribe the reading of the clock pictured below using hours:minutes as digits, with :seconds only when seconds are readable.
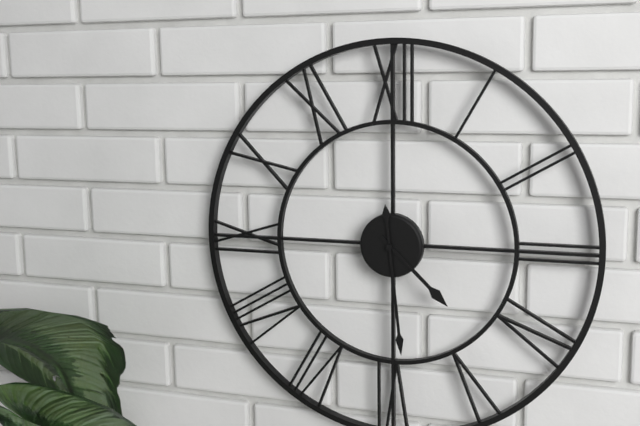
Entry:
4:29
